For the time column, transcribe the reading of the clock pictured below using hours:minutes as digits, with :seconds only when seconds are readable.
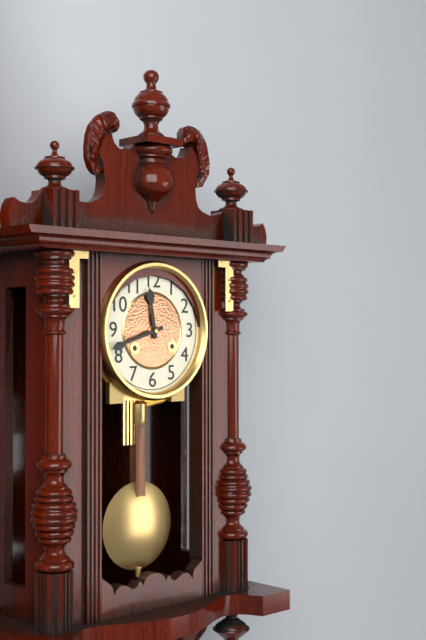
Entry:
11:42
